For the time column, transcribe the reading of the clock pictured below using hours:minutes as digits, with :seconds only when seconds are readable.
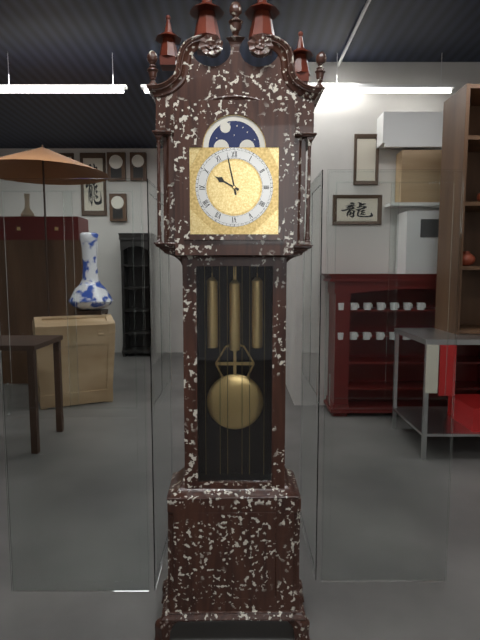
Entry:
9:58
